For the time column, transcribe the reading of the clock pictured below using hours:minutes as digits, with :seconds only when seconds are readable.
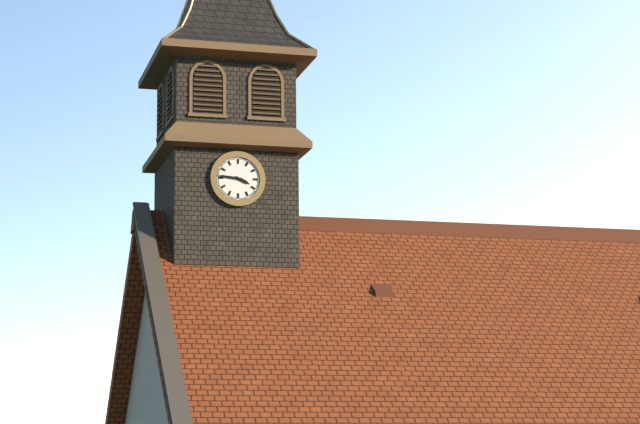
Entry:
3:46
